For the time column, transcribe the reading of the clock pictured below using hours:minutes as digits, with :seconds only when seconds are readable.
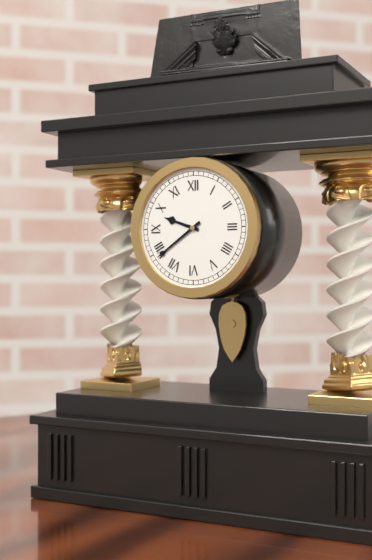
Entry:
9:39
